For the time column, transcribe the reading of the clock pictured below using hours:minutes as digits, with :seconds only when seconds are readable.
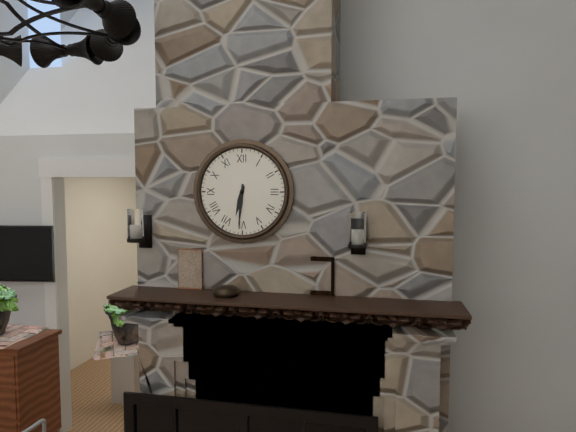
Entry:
6:31
